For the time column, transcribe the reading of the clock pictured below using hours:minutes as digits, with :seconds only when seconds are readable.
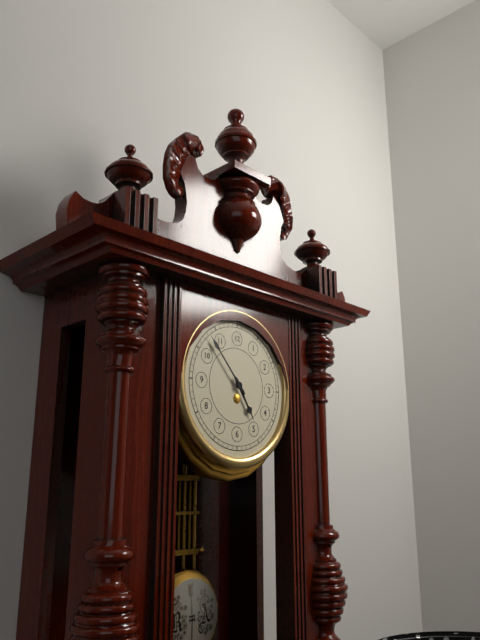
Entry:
4:53
